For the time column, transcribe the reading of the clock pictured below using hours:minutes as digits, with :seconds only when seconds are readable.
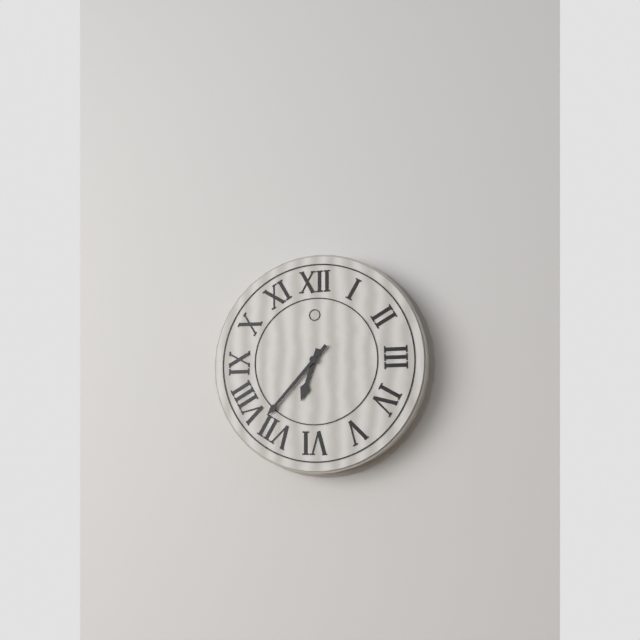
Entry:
6:37
